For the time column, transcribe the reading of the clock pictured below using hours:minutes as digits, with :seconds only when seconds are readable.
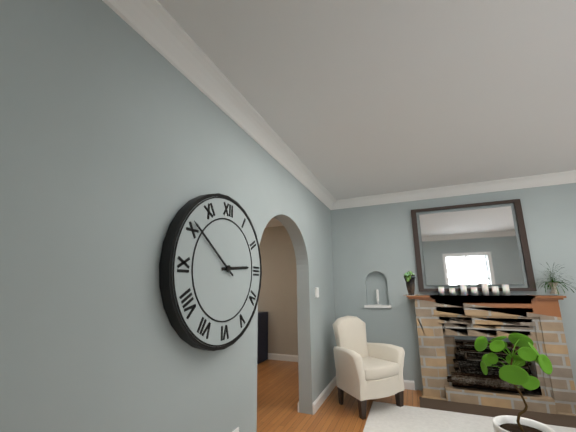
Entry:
2:51
